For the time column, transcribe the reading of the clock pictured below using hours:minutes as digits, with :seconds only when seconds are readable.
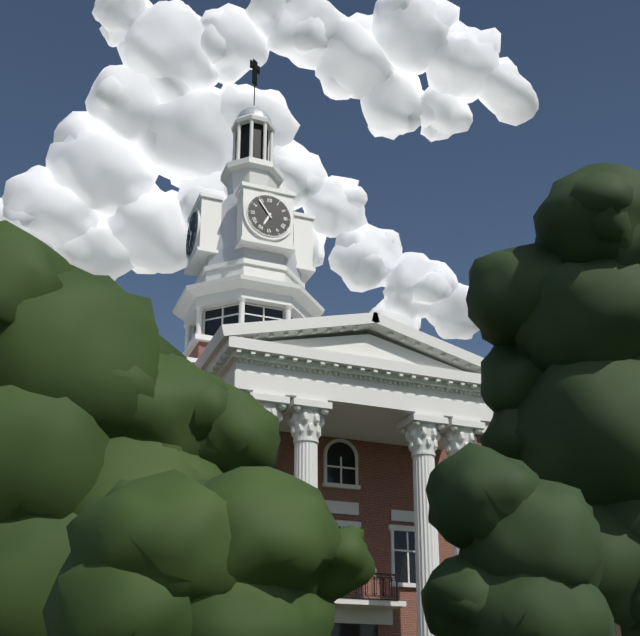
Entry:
6:54
